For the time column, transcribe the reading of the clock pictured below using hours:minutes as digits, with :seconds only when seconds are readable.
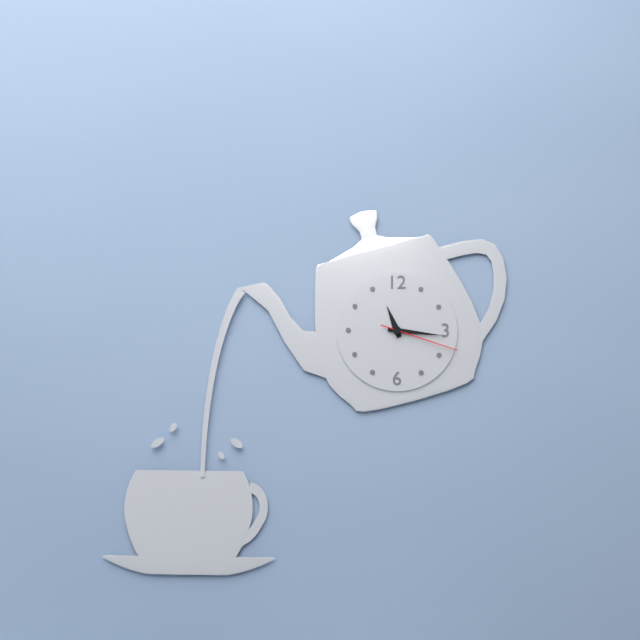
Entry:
11:16:18
